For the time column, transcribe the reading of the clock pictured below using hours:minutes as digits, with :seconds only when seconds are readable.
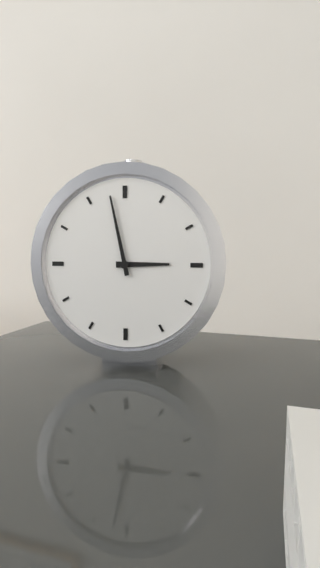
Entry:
2:58
